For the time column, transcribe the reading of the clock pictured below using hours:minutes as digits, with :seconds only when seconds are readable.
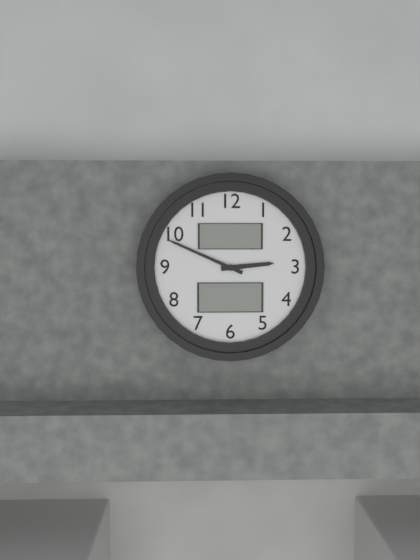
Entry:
2:49
